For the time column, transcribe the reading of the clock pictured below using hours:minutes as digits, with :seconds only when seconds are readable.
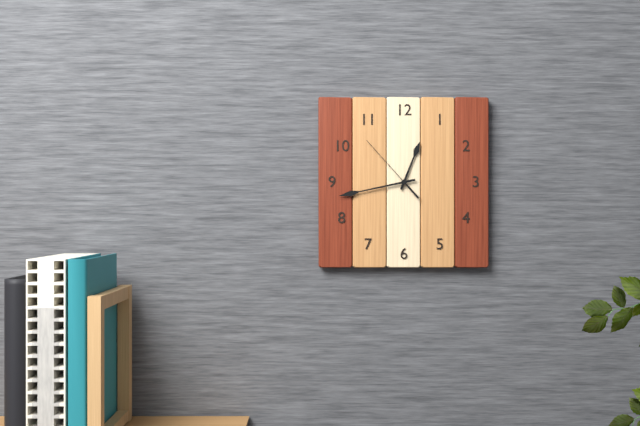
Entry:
12:43:53
